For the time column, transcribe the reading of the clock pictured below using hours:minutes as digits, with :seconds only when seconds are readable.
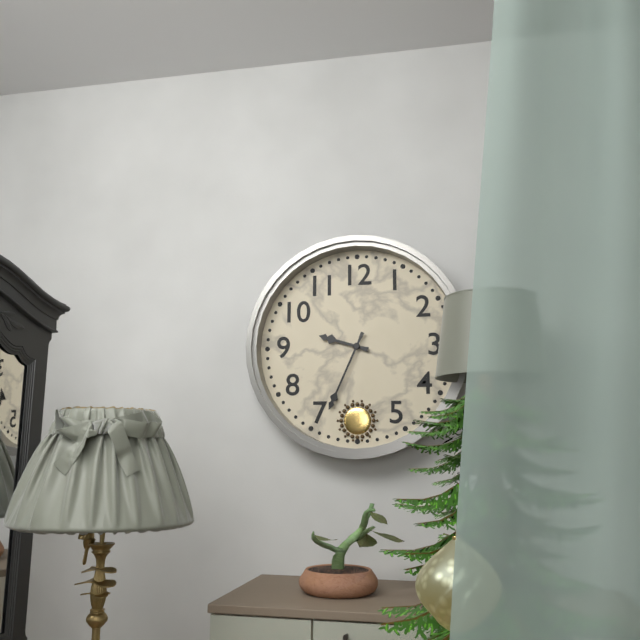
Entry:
9:34
